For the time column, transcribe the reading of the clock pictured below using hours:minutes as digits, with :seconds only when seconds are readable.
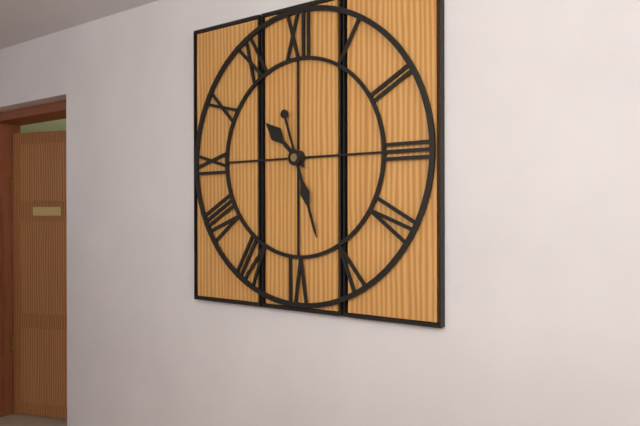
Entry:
10:27
